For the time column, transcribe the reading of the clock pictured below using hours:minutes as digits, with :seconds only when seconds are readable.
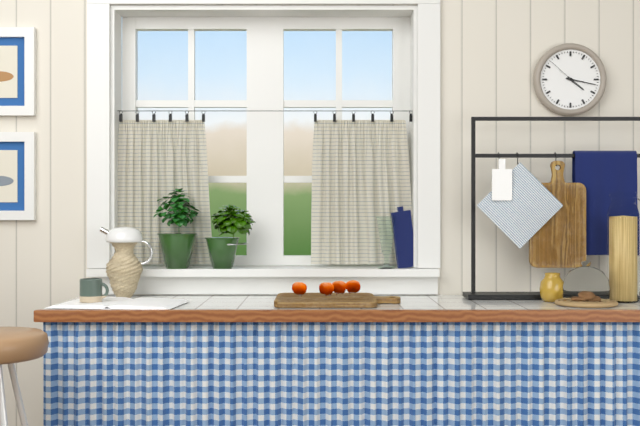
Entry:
4:17
